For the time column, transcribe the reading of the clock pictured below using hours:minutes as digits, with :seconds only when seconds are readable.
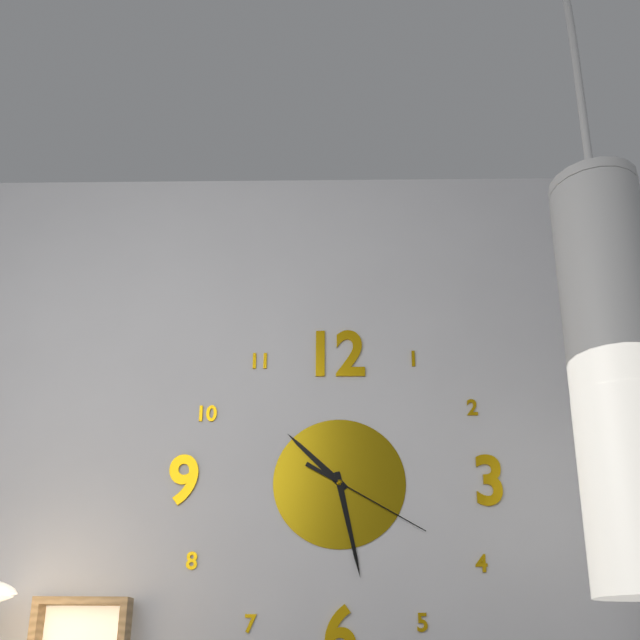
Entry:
10:28:20
